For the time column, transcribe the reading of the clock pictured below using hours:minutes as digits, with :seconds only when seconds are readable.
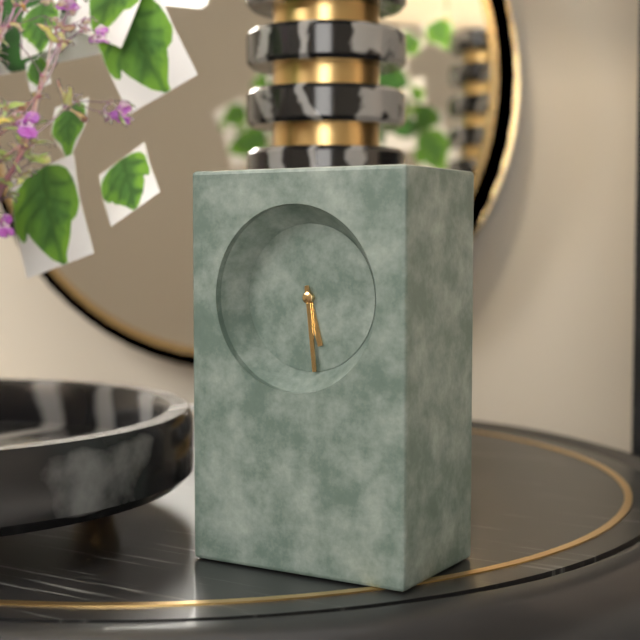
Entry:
5:29
